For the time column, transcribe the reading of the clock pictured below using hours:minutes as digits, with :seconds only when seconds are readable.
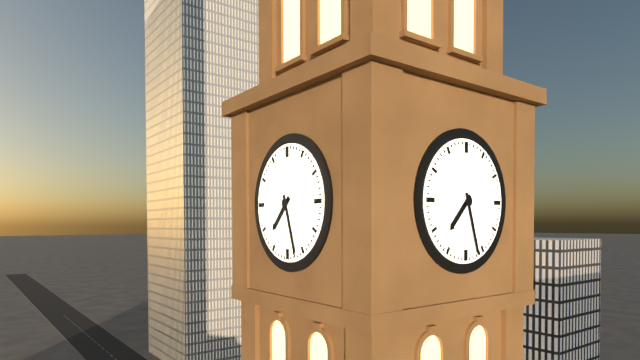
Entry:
7:27
